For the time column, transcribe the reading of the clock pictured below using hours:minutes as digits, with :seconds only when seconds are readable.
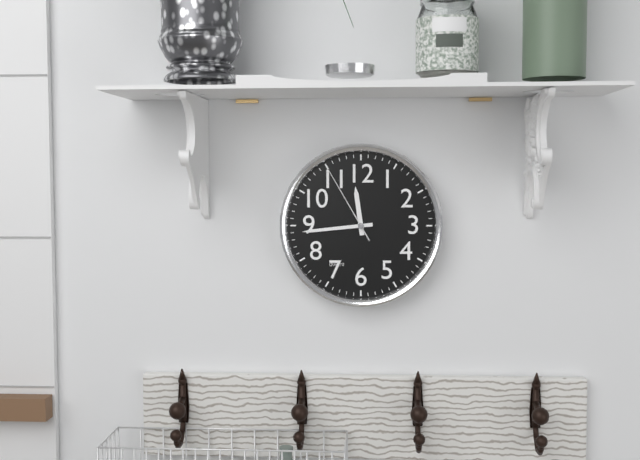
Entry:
11:44:55
